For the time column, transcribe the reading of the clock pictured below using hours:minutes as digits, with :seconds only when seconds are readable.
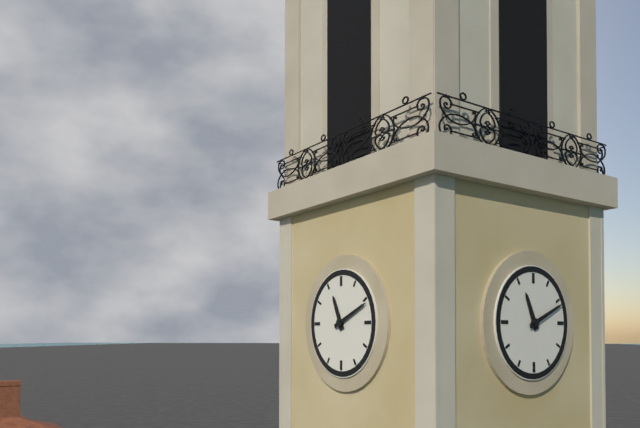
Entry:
11:11
